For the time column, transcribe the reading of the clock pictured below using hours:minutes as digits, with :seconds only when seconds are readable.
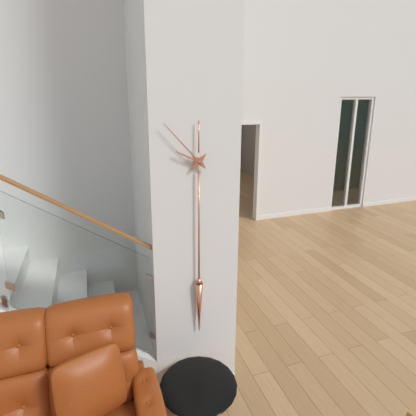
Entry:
9:53
